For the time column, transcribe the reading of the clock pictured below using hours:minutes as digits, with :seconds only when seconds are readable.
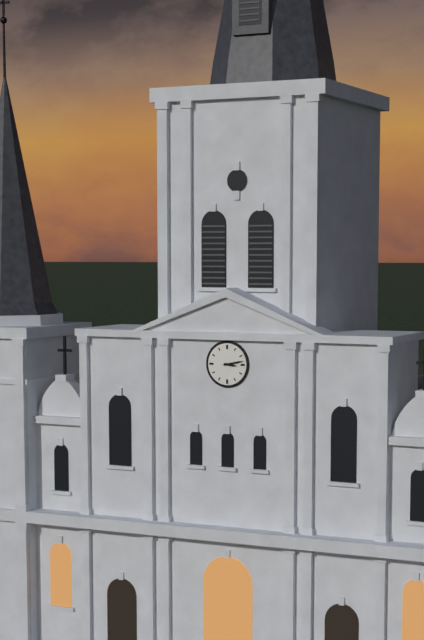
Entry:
3:13
